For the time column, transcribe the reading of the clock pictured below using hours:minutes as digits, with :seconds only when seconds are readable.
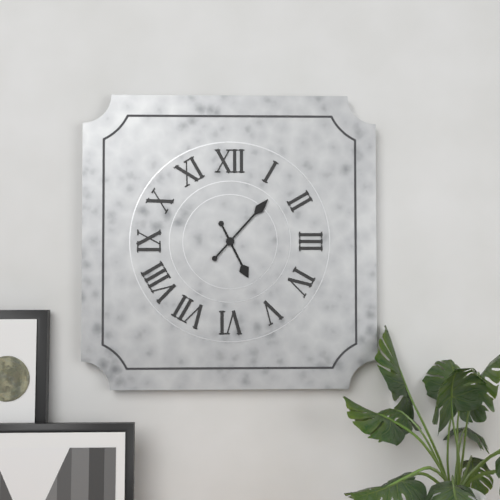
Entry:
5:07
